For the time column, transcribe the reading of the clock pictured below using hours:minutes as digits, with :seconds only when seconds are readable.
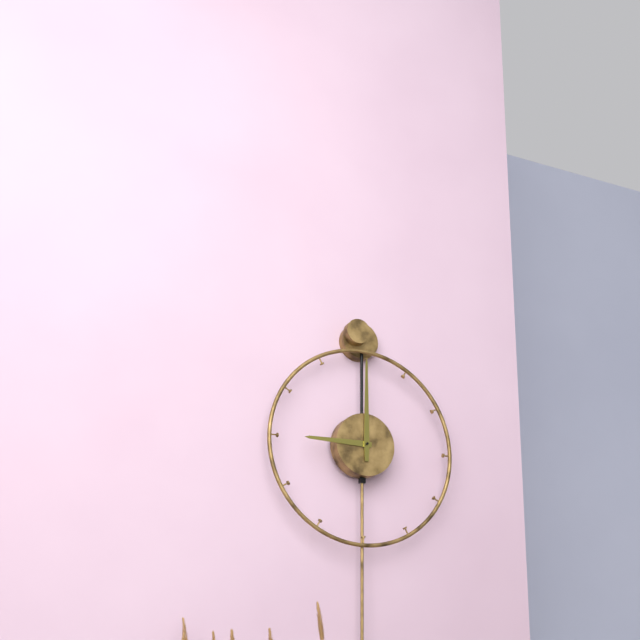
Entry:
9:00
